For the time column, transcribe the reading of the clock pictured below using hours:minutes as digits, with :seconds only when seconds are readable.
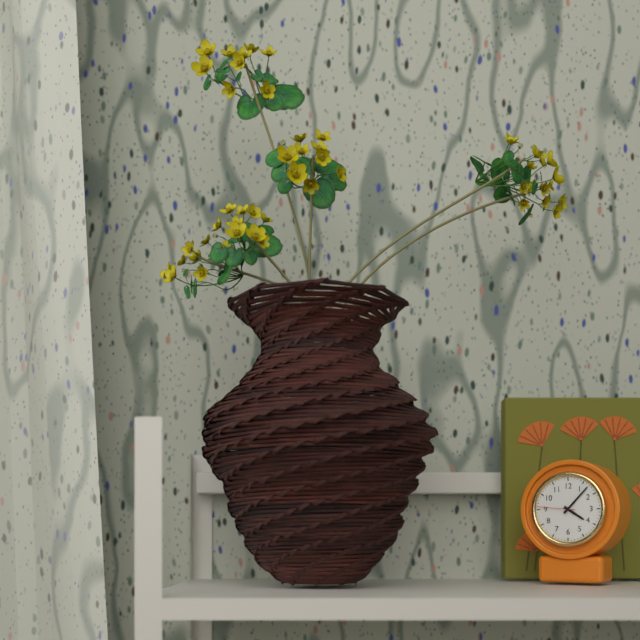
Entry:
4:07
